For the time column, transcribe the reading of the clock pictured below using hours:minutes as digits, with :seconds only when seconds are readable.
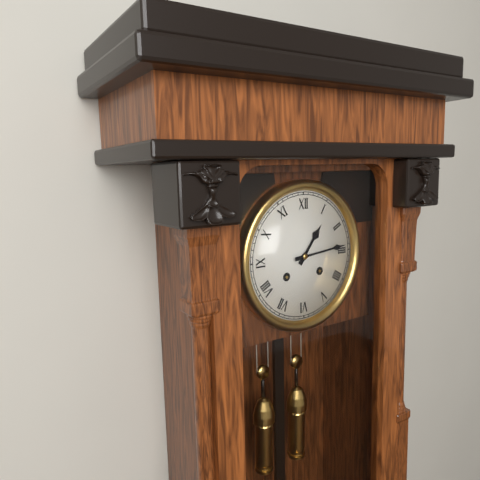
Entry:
1:14
